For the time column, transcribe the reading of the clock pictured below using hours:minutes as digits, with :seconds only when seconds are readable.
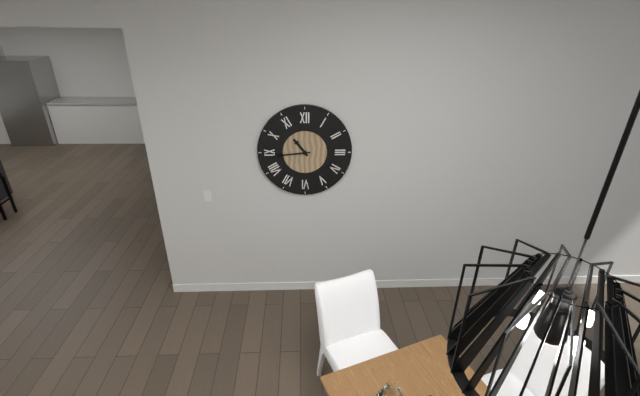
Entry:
10:44
